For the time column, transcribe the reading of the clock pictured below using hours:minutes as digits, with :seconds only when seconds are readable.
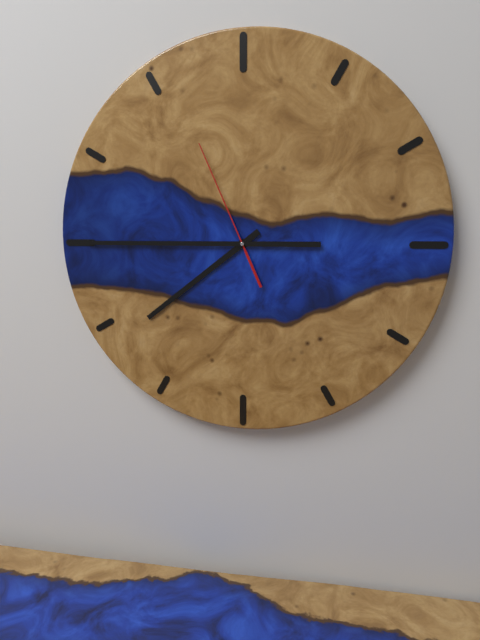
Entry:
7:45:56
